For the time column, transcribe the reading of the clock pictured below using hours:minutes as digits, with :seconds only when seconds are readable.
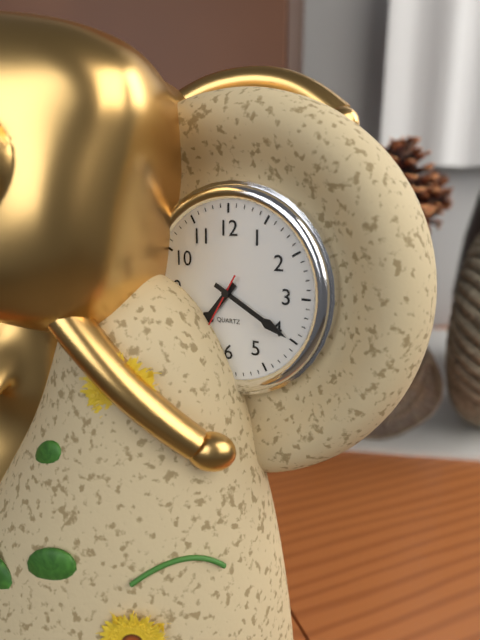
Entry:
7:20
